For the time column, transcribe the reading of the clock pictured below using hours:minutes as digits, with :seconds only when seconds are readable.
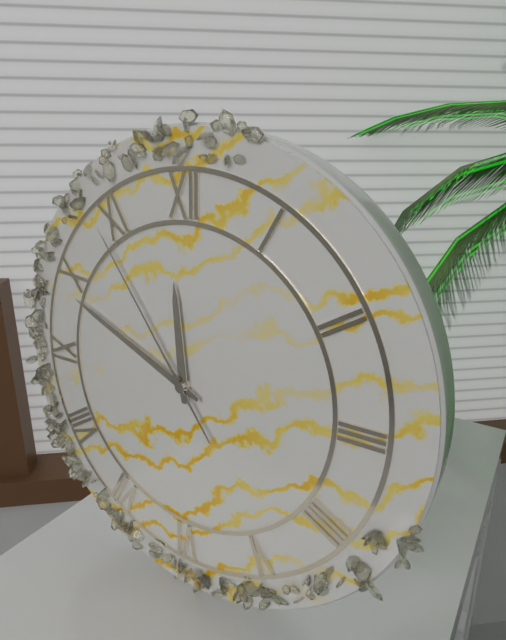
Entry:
11:49:54
